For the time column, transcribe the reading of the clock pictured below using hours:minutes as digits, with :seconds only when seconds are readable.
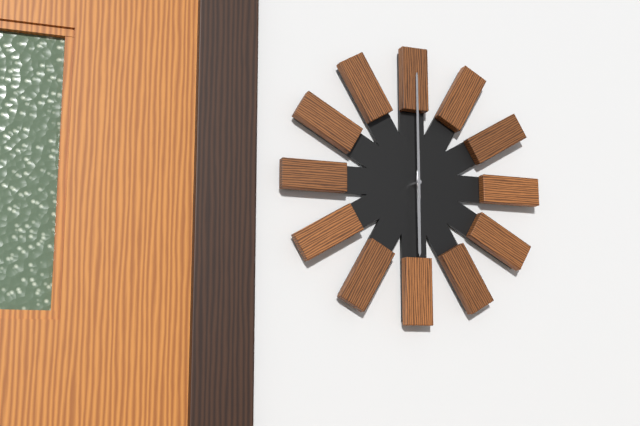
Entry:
6:00
